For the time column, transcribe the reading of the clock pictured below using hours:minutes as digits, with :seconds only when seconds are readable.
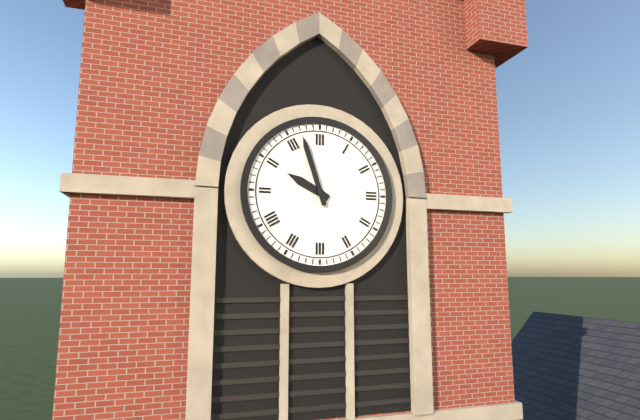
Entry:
9:57
